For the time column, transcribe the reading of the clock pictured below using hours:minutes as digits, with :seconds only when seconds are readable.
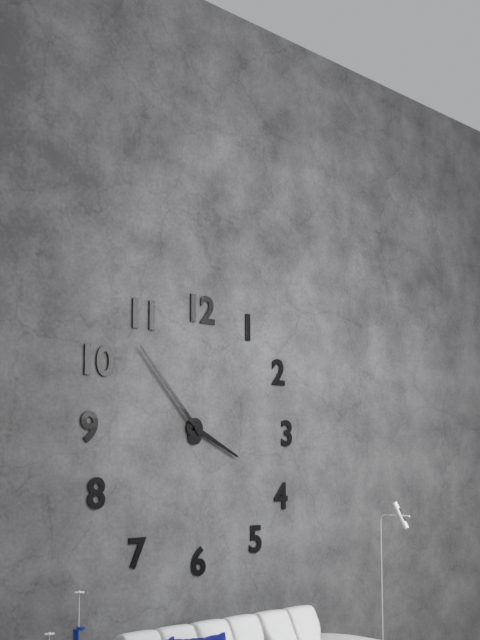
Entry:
3:53
